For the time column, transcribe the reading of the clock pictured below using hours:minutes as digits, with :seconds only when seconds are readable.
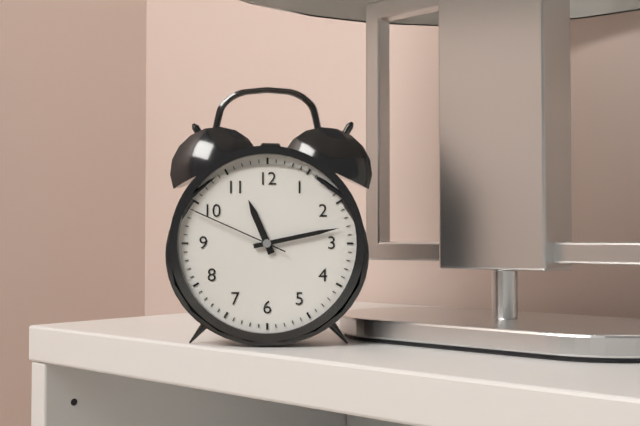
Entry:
11:13:49
